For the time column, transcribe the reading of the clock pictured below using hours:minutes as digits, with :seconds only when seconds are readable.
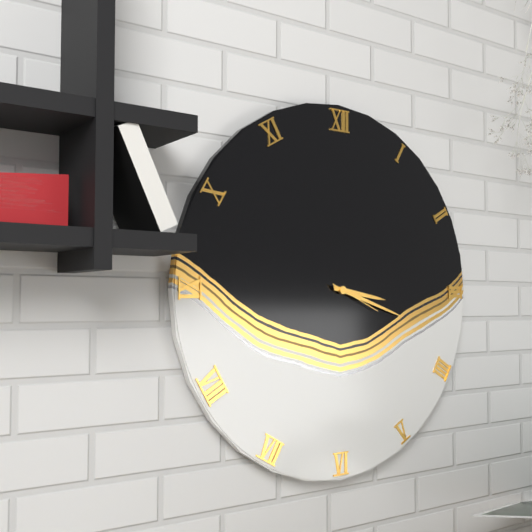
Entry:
3:18:19
